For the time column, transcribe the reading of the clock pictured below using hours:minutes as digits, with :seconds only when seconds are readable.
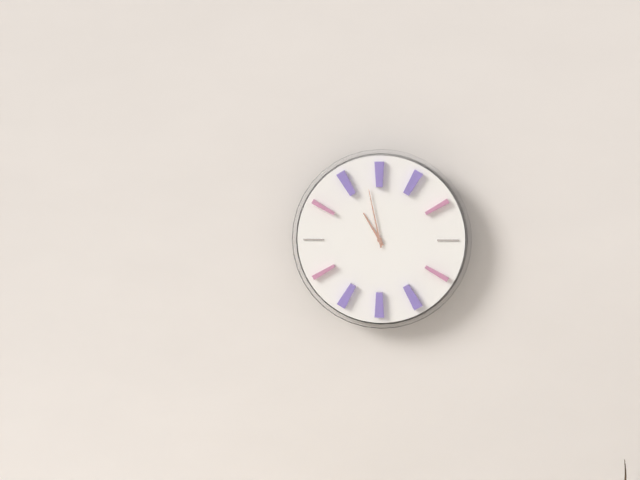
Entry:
10:58
